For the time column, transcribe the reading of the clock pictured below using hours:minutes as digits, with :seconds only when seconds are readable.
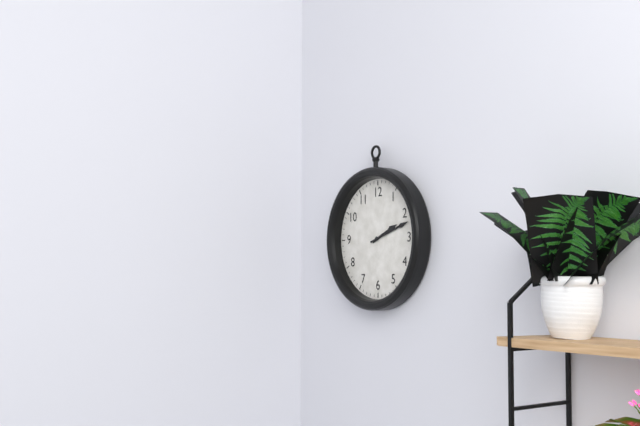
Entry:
2:12
